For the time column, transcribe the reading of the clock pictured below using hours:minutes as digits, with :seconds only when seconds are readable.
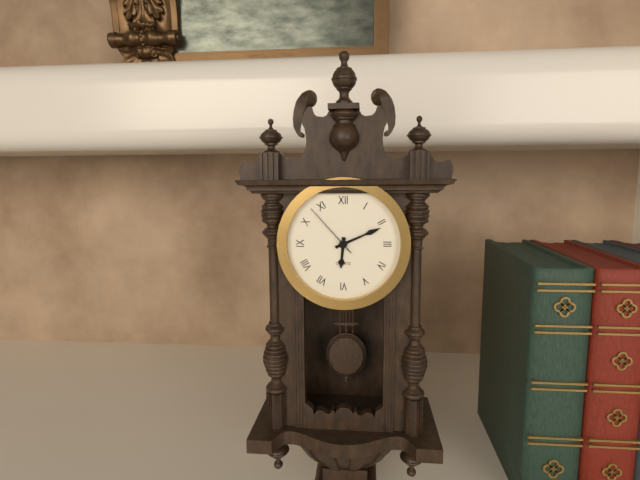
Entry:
6:11:53
